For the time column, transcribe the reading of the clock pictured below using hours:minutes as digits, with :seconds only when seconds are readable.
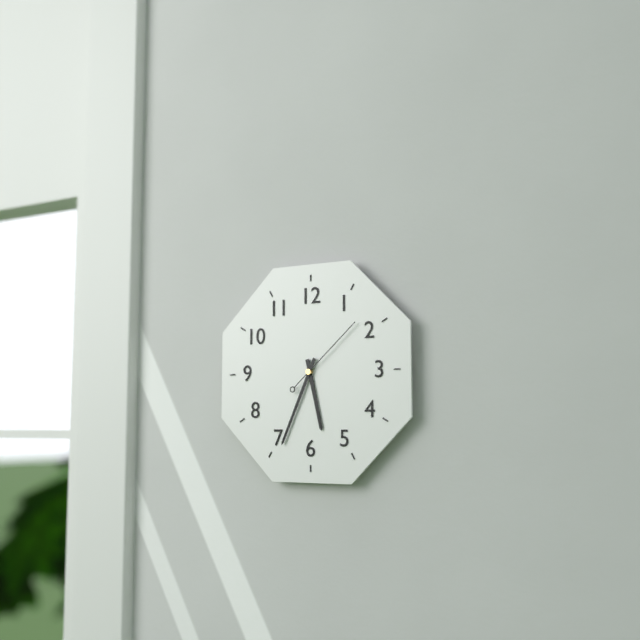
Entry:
5:34:08
